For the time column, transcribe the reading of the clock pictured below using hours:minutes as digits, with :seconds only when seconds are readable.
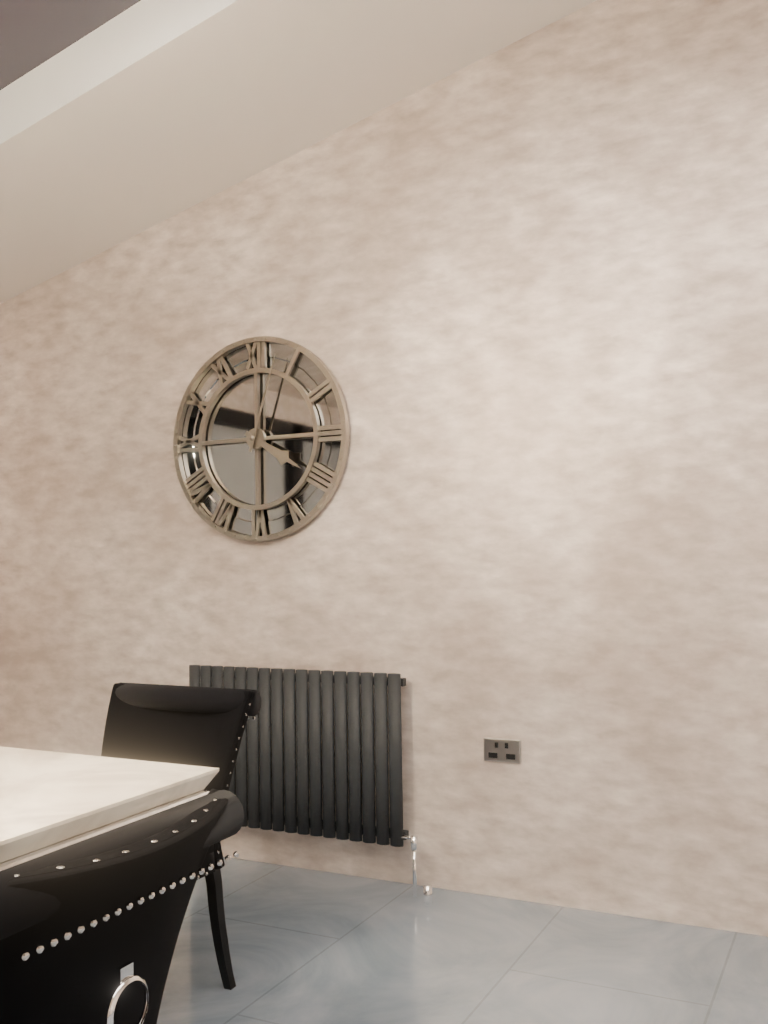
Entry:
4:03
